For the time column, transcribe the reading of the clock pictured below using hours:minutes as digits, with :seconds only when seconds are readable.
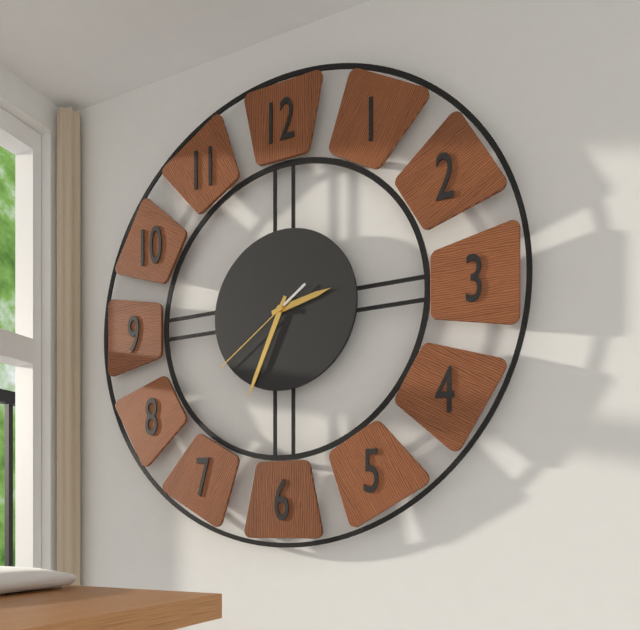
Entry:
2:34:39
